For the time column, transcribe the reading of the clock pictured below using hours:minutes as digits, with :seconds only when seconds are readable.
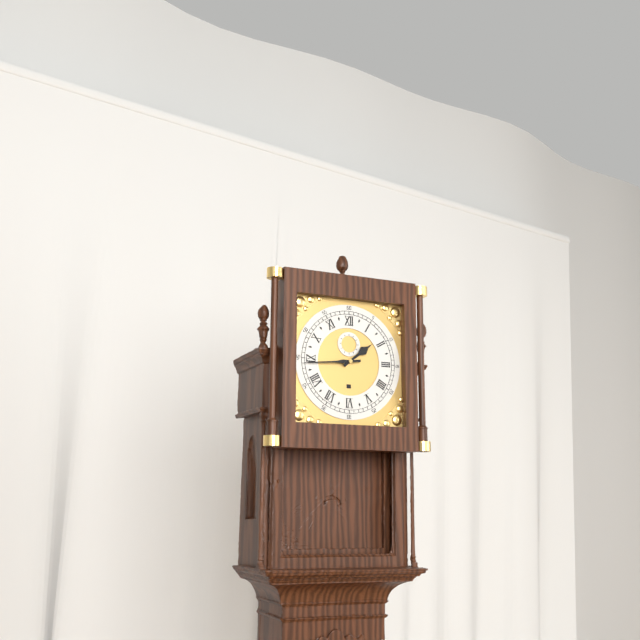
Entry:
1:44
